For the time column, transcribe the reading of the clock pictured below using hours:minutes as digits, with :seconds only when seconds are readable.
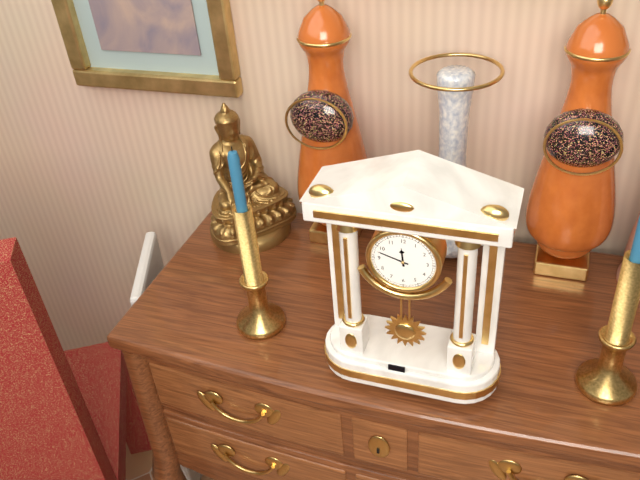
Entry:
11:48
